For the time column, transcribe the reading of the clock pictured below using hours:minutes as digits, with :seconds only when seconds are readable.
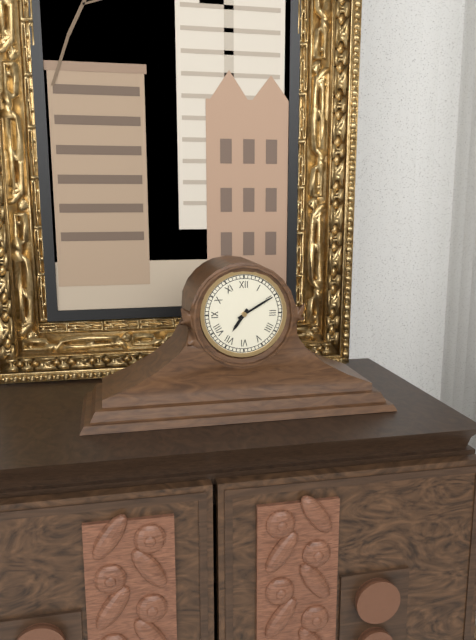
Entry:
7:10
